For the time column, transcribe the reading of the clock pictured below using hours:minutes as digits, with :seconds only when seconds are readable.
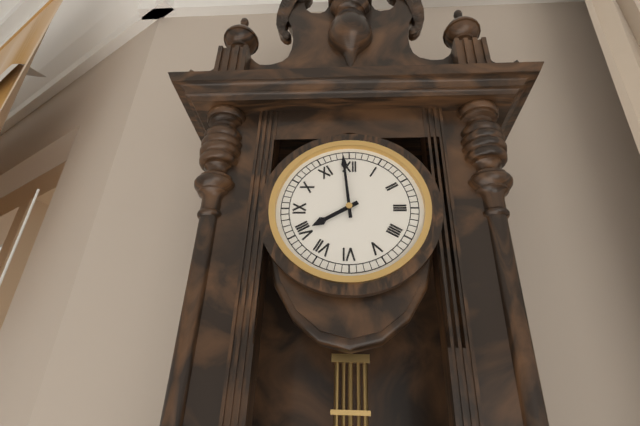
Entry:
7:59
